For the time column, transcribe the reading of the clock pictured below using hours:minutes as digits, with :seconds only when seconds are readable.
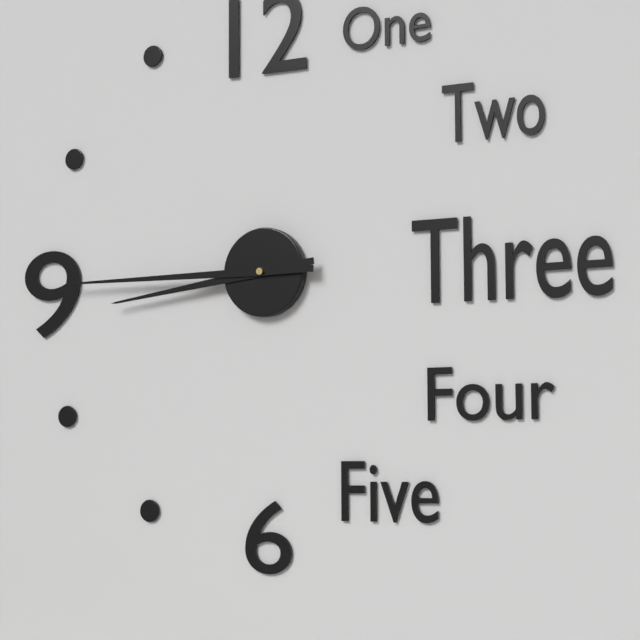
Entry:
8:45
